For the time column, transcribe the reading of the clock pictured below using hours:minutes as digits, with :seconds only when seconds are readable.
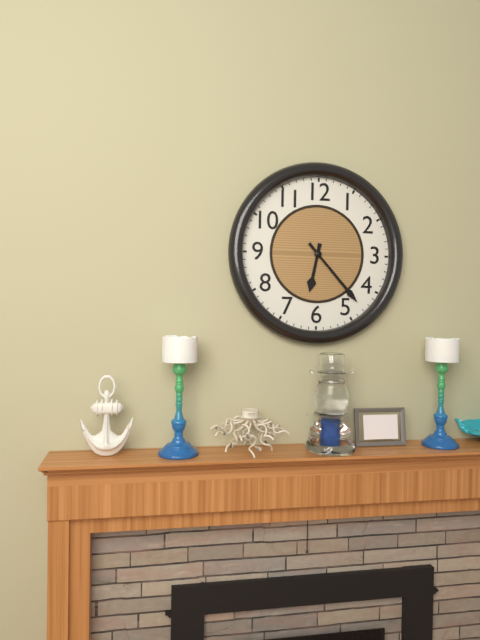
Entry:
6:23
